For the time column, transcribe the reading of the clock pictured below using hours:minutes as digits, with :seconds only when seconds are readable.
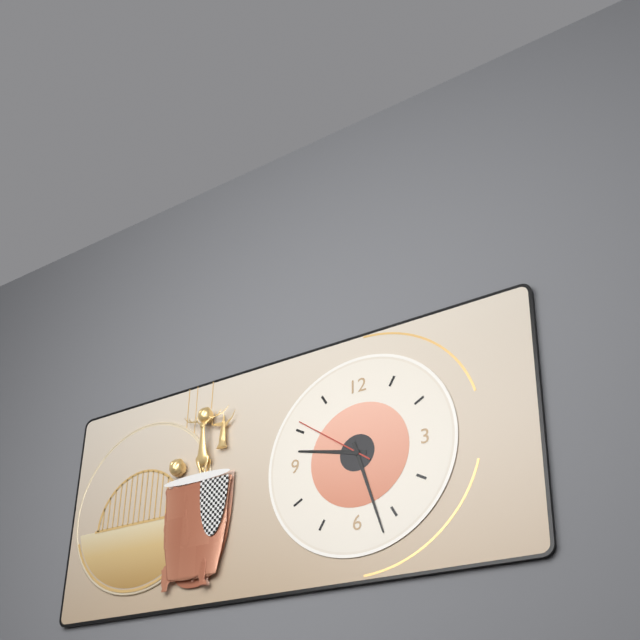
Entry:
9:27:51
